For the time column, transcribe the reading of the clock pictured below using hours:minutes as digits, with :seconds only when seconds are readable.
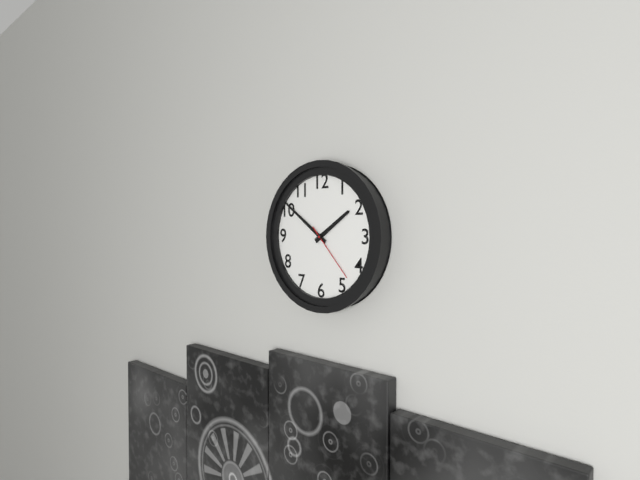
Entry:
1:51:23
